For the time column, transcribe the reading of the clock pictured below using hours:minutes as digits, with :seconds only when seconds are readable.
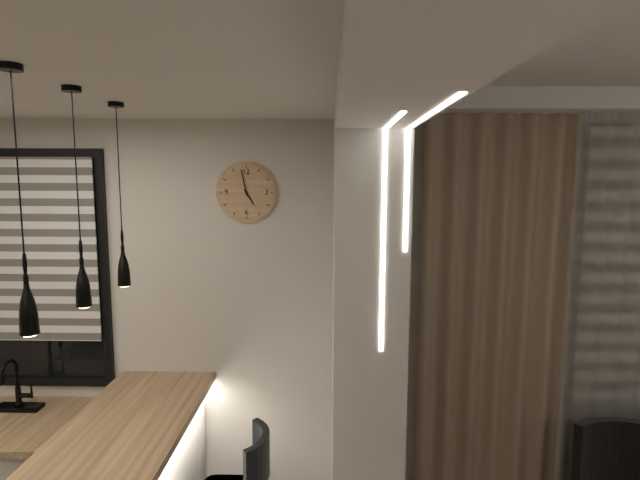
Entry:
4:58
